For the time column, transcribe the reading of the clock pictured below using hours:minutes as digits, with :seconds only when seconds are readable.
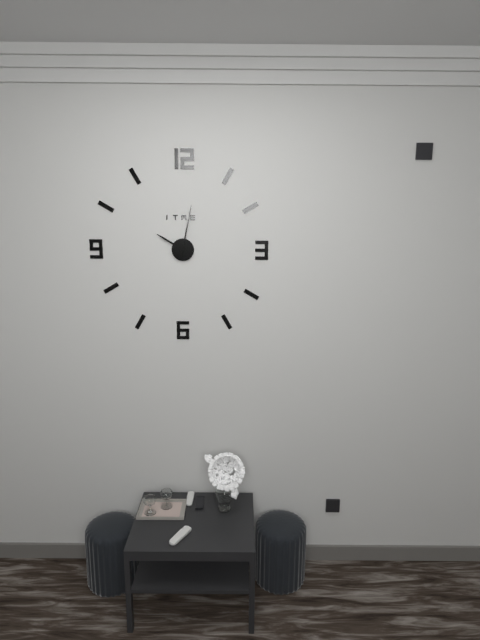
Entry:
10:02
